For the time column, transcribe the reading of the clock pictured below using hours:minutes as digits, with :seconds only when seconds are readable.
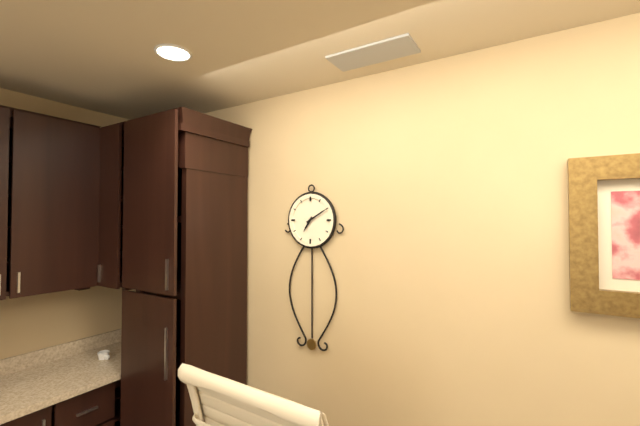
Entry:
7:10
